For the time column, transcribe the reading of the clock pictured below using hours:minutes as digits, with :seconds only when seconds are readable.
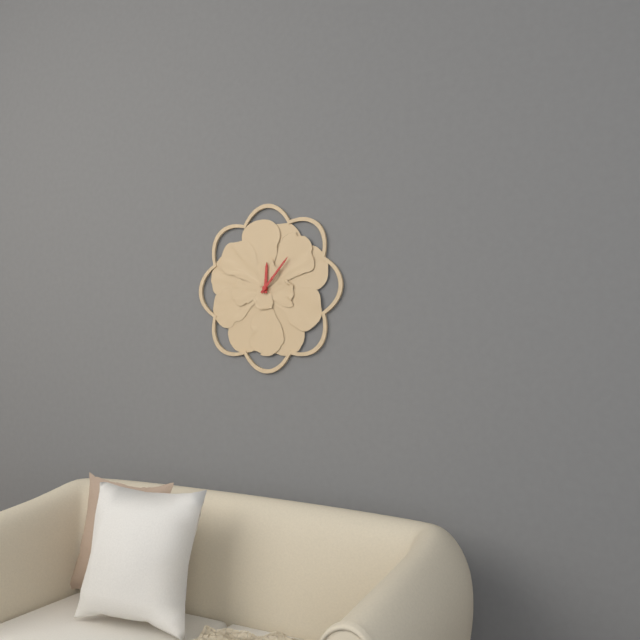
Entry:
12:07
